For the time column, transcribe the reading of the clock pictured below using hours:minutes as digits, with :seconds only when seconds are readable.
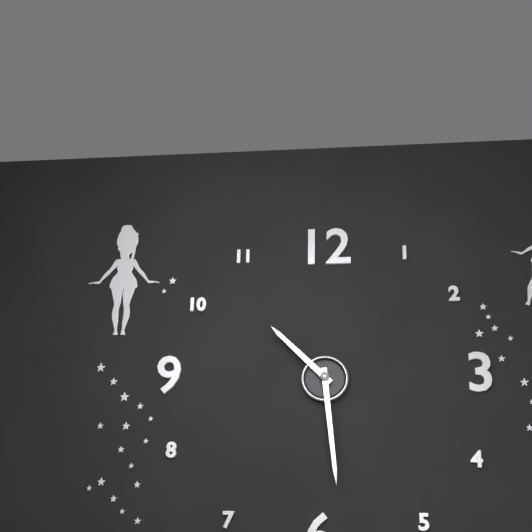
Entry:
10:29
